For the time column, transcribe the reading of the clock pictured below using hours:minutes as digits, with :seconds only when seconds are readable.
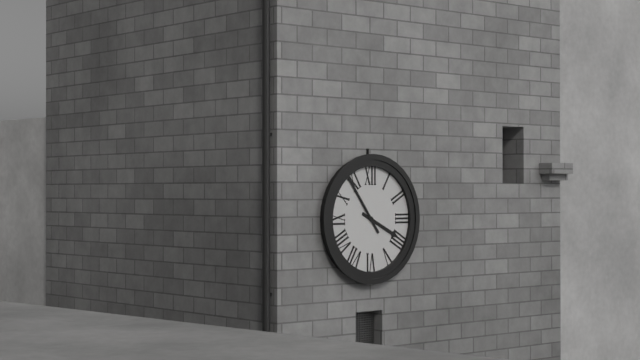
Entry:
3:54
